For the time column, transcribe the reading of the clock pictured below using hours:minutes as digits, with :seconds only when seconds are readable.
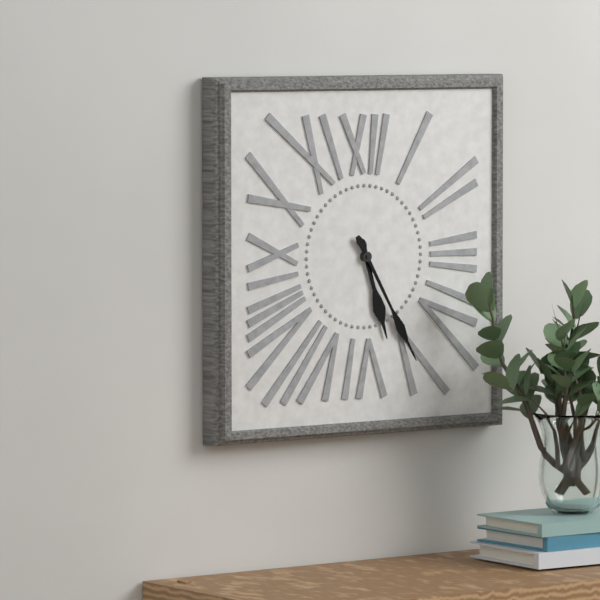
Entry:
5:25
